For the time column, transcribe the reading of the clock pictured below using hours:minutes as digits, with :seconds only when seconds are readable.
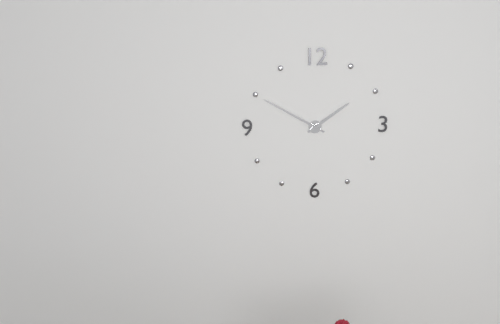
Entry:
1:50
